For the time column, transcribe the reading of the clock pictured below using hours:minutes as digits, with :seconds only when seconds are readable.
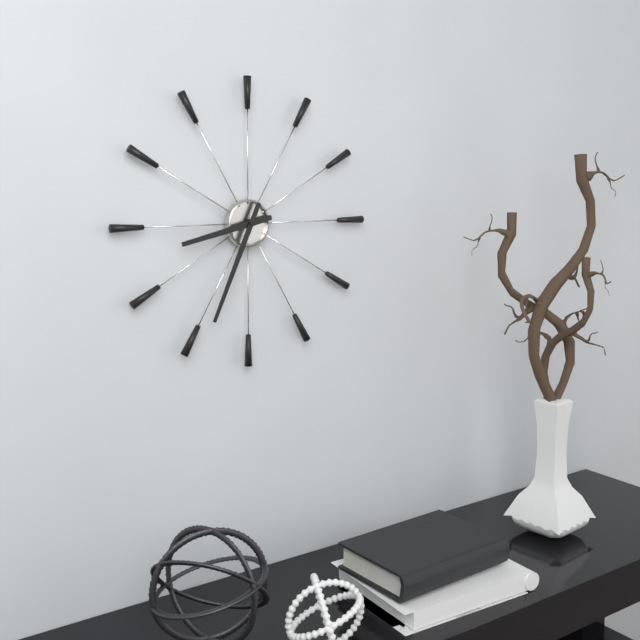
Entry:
8:34
